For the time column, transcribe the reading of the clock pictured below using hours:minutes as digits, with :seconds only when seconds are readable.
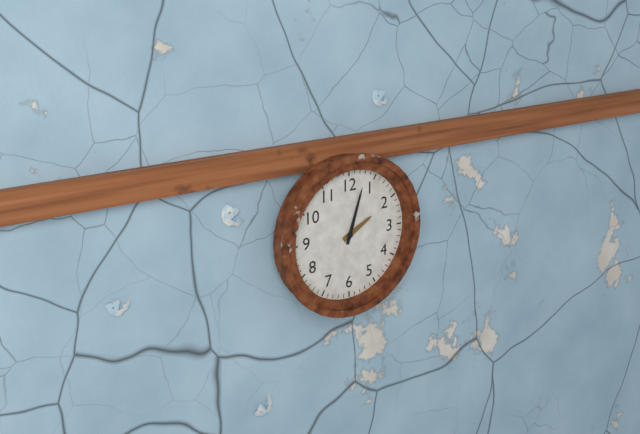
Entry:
2:03
